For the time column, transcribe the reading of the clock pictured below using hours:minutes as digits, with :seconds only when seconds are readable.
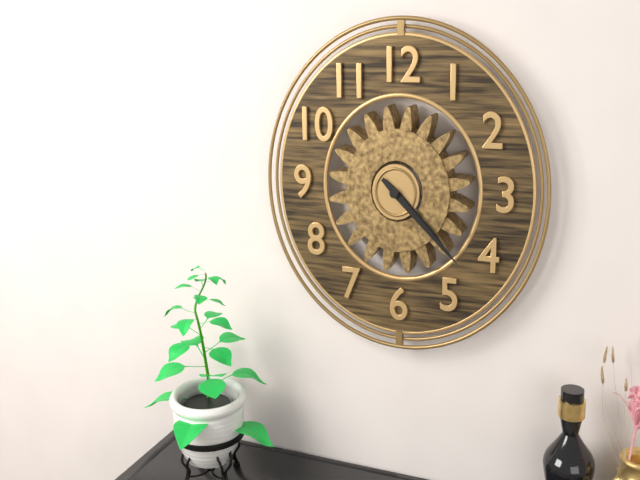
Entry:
4:22
